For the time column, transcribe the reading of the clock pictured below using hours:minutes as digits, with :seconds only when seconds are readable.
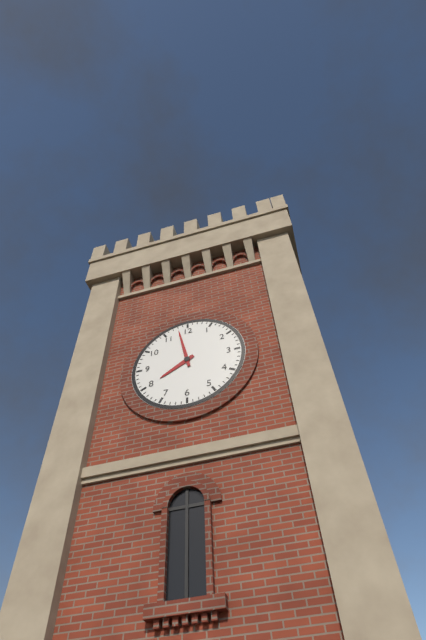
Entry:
7:58
